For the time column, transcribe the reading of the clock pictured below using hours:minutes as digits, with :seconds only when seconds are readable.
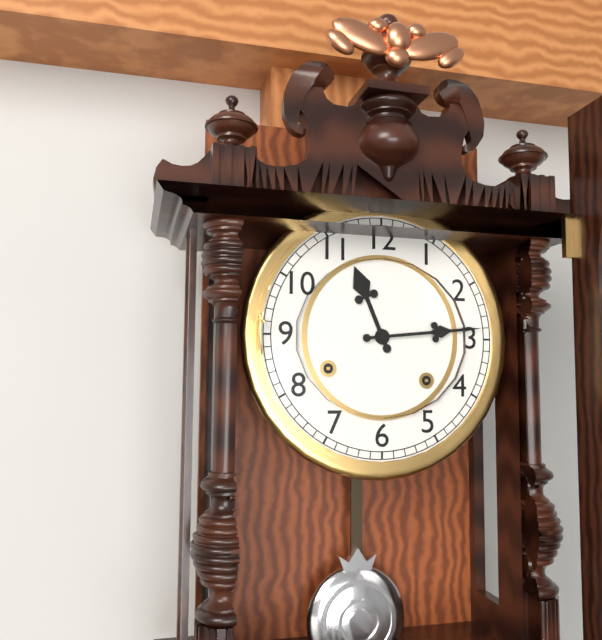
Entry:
11:14
